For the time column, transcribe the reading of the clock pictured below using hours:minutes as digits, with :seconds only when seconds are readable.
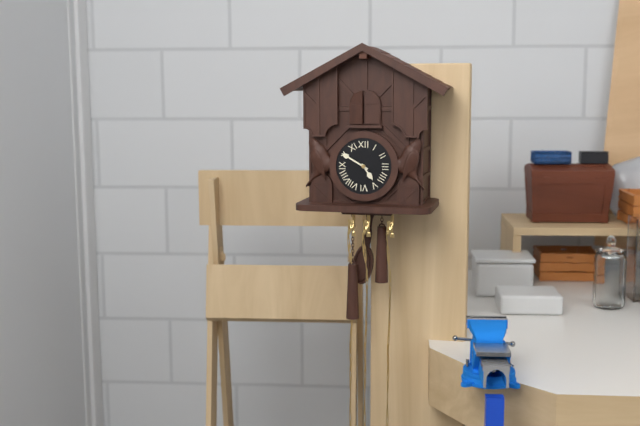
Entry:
4:50
